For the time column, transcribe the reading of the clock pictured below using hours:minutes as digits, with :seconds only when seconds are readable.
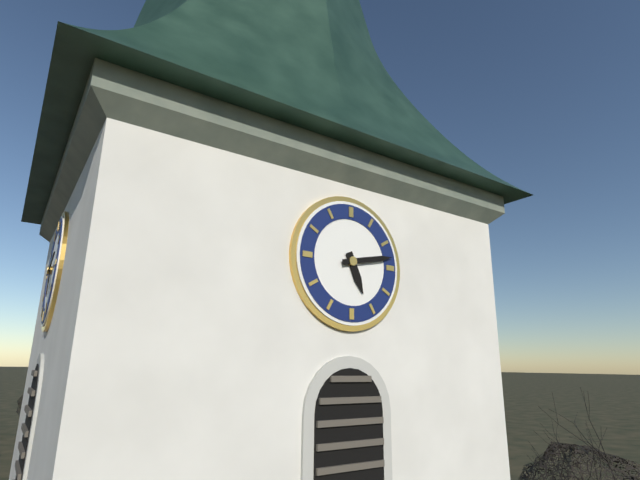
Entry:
5:13
